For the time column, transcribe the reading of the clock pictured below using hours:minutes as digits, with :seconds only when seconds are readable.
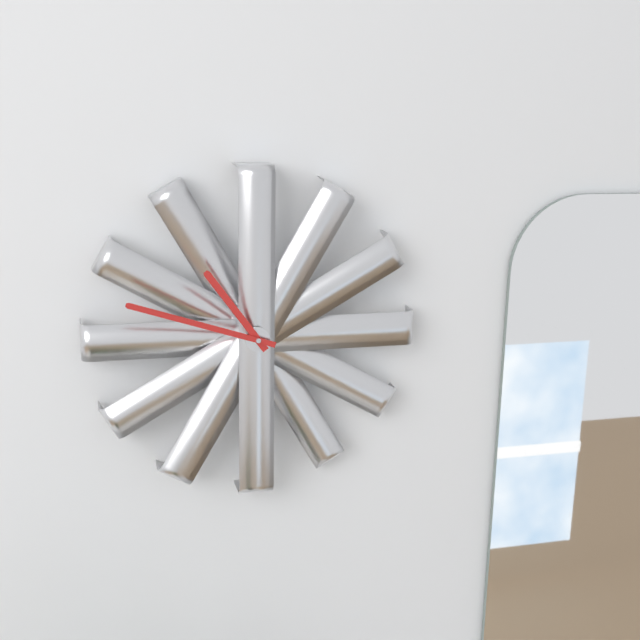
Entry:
10:48
